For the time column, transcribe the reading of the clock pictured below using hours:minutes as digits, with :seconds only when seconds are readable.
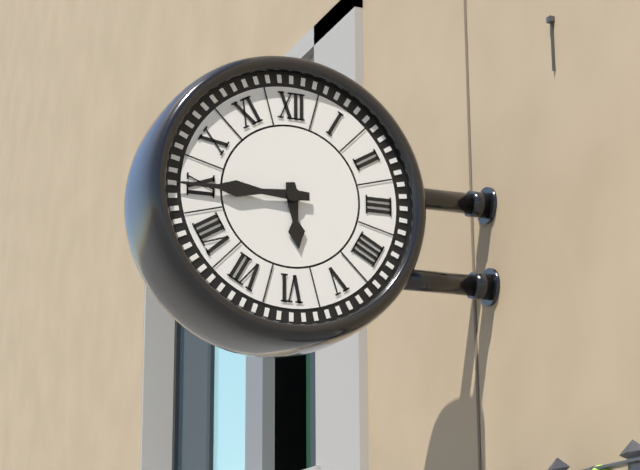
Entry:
5:45
